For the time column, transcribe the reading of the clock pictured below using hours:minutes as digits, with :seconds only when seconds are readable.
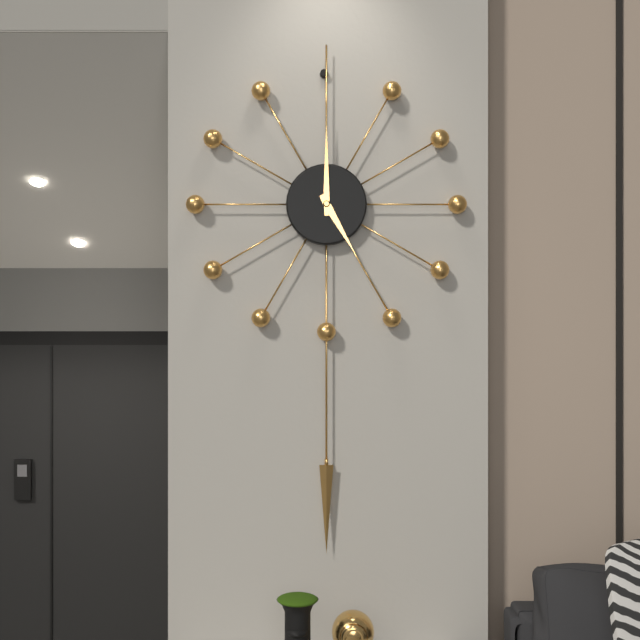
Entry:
5:00
